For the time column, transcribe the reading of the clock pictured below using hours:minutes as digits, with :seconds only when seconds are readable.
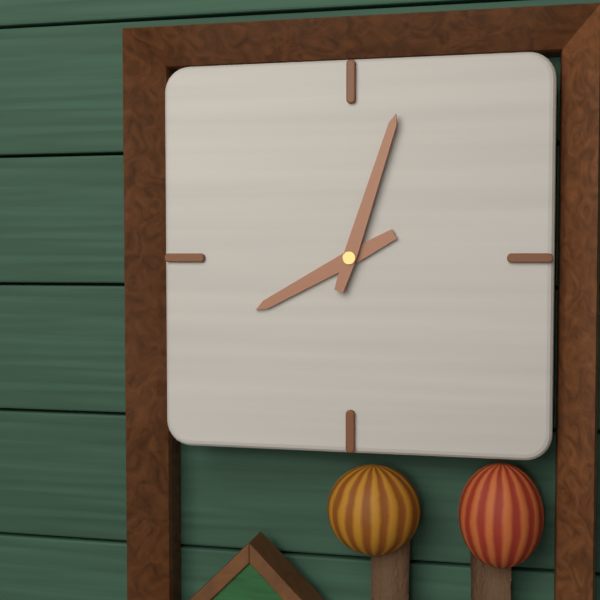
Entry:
8:03
